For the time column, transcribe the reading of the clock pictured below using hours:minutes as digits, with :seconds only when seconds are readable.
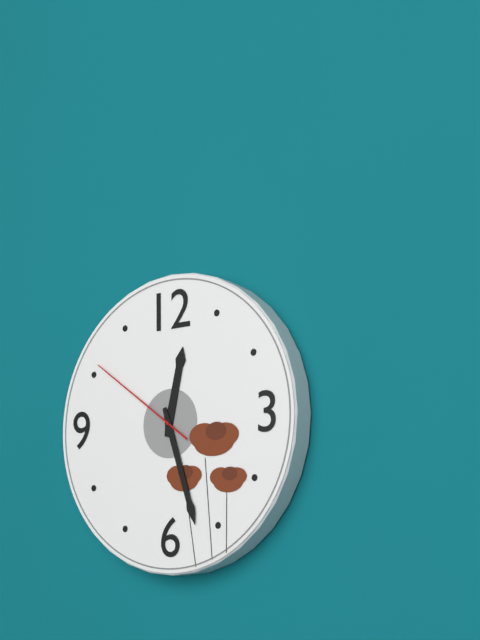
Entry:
12:27:51
